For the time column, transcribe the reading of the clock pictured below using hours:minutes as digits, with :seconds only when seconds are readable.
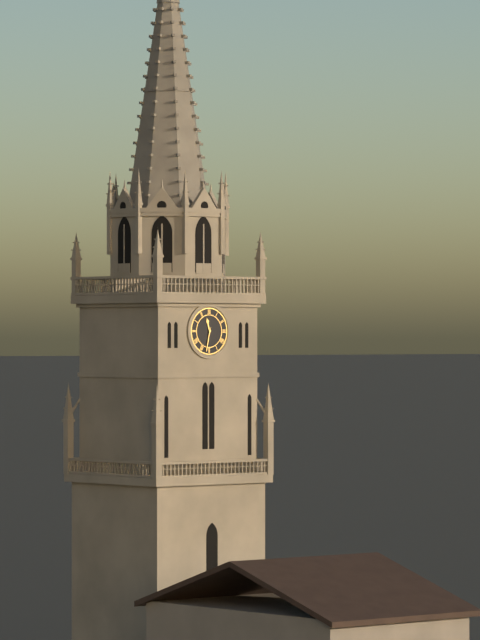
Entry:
11:32
